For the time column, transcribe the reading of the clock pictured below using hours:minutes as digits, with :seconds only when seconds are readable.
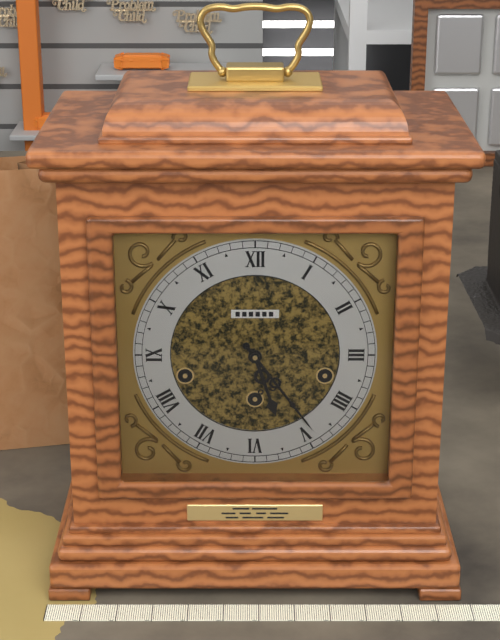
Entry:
5:24
